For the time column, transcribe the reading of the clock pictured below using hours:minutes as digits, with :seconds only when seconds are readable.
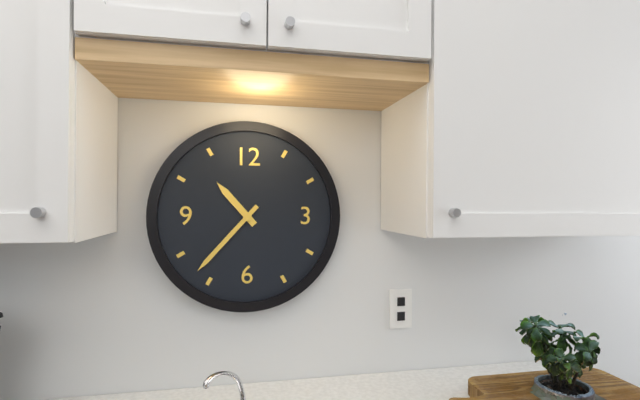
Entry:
10:37
